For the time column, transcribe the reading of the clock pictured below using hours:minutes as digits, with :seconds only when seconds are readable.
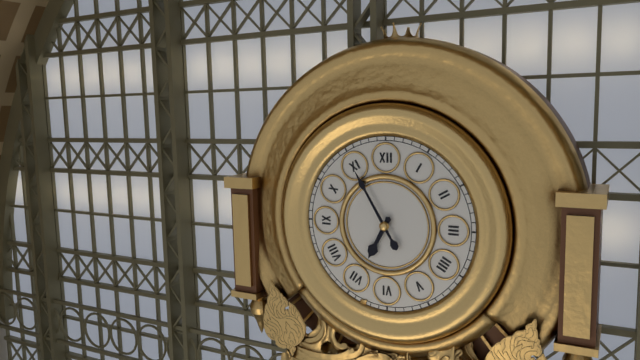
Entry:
6:55
